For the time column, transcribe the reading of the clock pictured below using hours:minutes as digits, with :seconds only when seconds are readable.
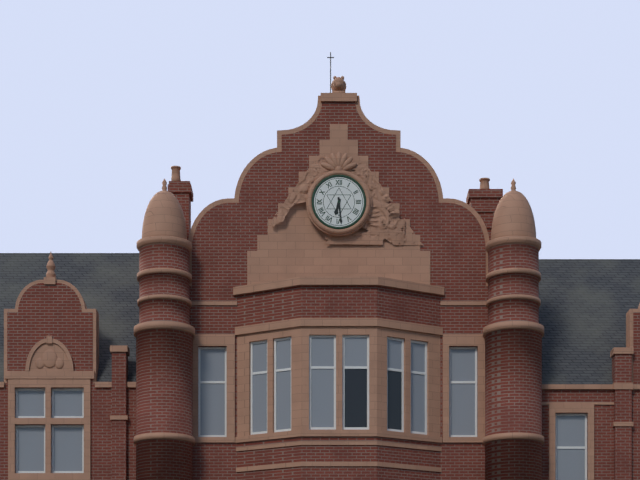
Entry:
6:29
